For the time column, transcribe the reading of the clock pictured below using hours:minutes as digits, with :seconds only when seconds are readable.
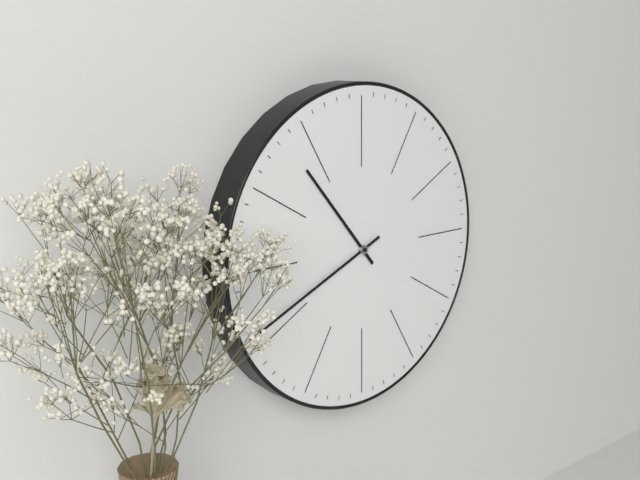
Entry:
10:41
